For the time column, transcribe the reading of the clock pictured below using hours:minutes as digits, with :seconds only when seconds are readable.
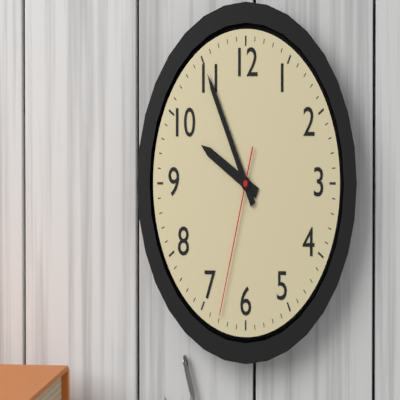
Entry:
9:55:33
